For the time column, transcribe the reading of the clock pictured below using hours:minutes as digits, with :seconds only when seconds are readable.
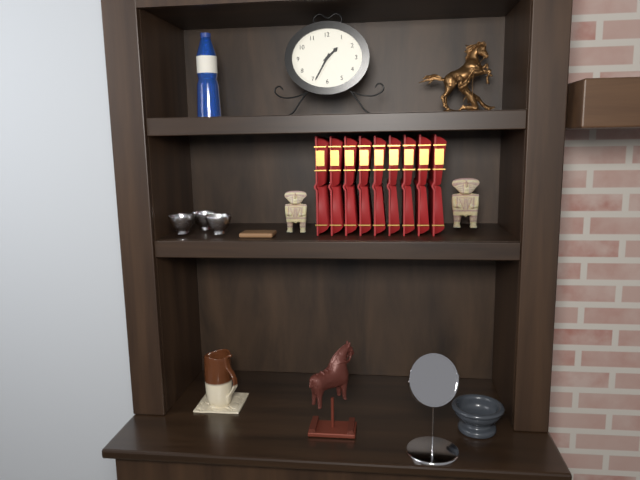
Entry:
1:35
